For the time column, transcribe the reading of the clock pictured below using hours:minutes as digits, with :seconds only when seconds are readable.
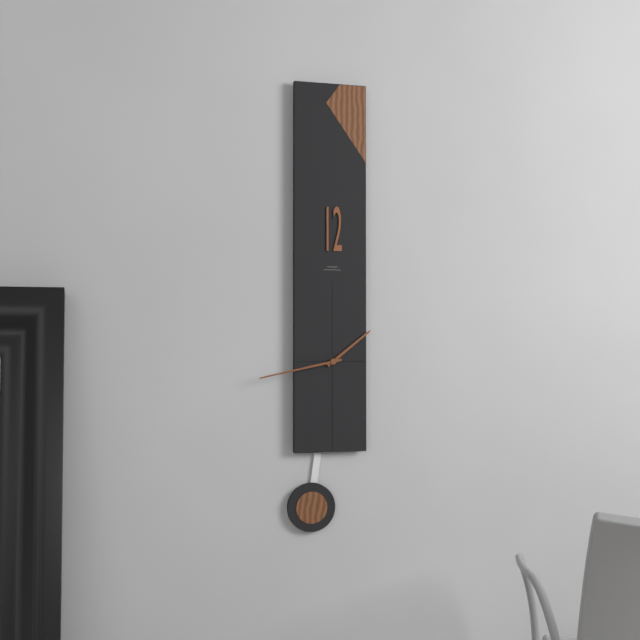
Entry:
1:43
